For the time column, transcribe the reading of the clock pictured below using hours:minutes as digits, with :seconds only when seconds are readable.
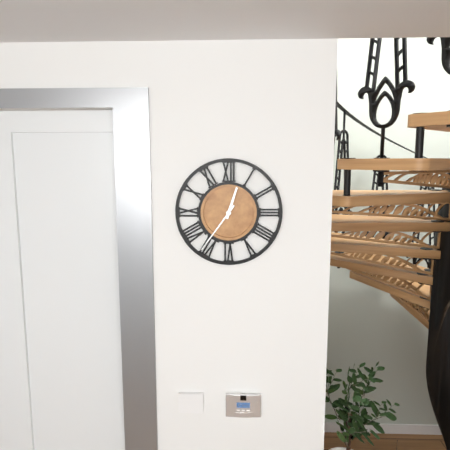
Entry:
12:36
